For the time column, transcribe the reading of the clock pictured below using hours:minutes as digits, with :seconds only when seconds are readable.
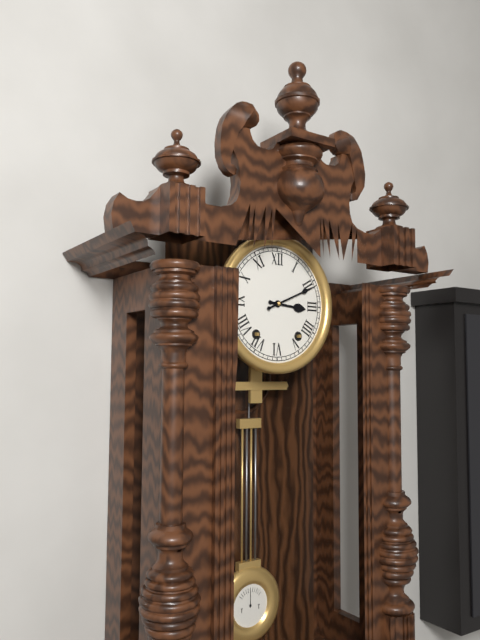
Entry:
3:11
